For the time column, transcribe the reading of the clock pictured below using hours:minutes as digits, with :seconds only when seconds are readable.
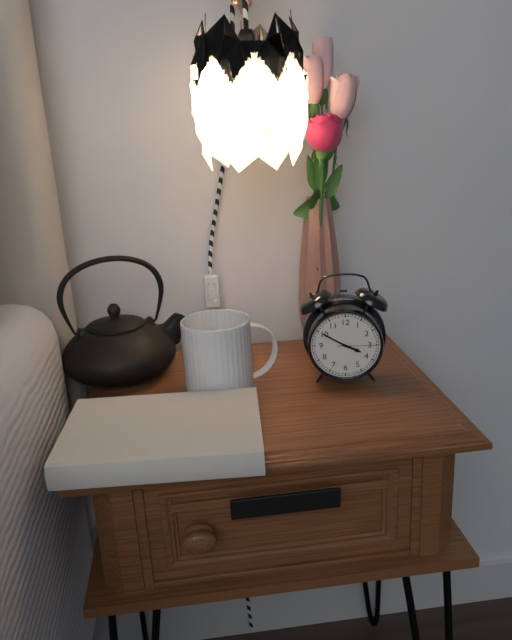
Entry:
3:50
